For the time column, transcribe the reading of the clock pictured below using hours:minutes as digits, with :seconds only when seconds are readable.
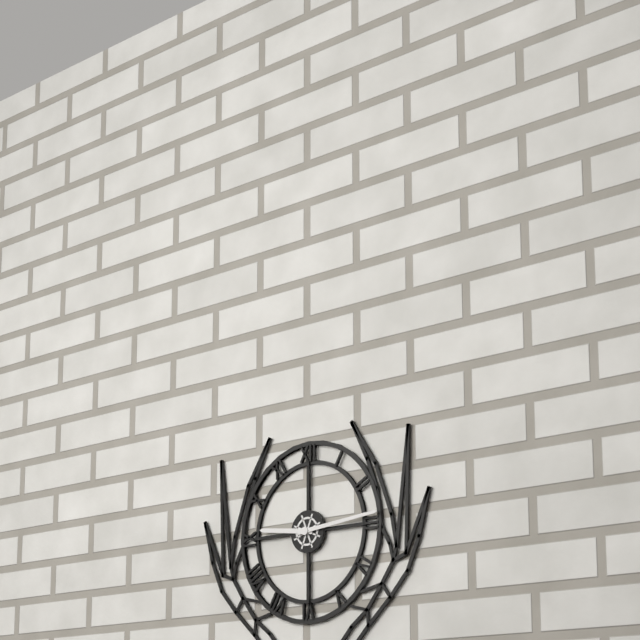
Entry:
9:14
